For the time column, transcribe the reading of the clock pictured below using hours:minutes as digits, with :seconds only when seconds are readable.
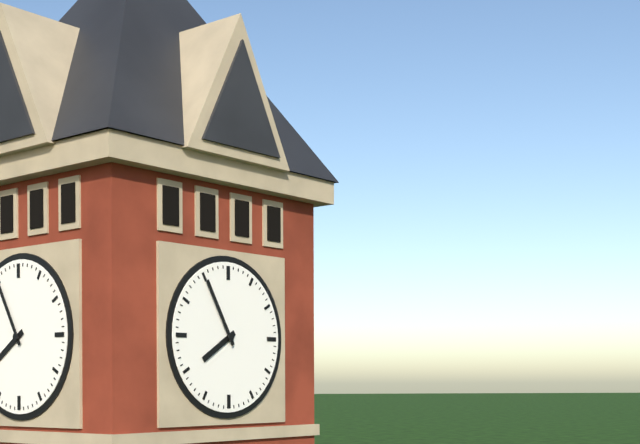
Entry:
7:55
